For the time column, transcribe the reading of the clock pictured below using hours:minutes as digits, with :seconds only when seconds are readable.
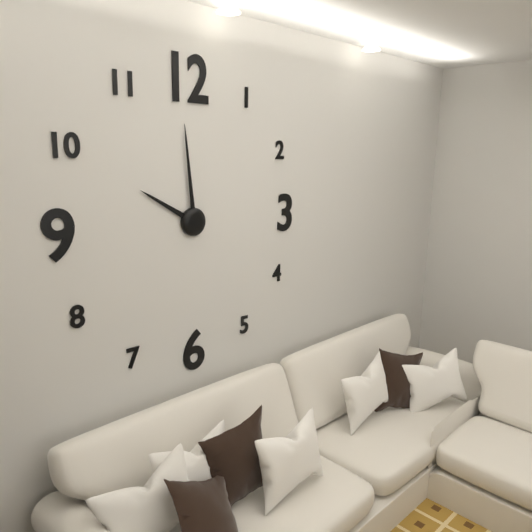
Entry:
9:59
